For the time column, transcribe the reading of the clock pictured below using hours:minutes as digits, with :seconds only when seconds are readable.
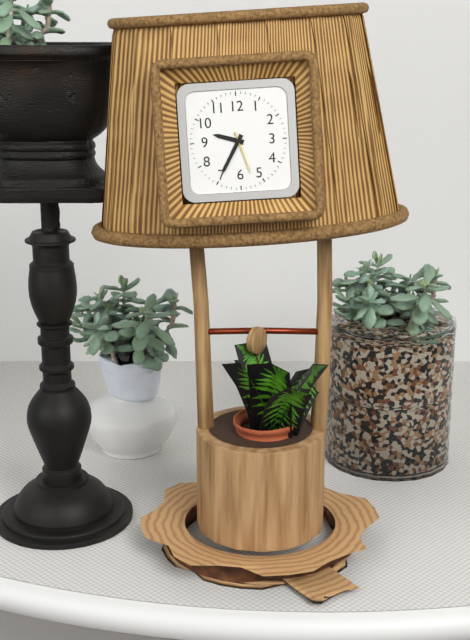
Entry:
9:35
